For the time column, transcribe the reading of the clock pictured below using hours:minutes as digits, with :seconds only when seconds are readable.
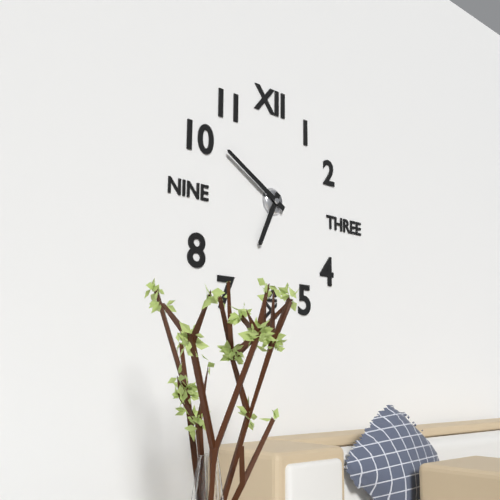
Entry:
6:50
